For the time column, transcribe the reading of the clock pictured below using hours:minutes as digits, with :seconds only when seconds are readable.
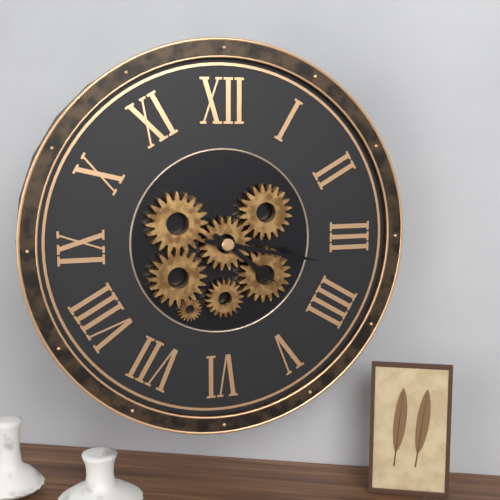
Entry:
4:17
